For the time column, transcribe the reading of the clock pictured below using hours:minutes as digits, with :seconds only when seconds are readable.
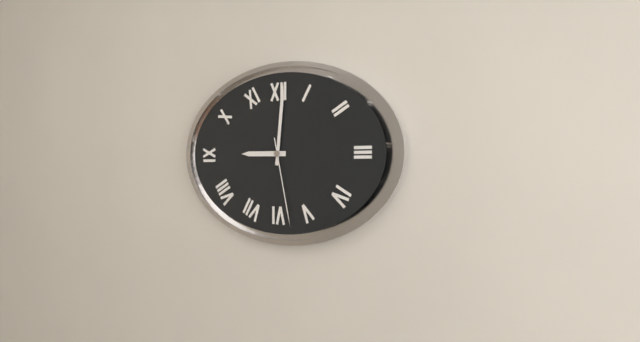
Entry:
9:01:28
